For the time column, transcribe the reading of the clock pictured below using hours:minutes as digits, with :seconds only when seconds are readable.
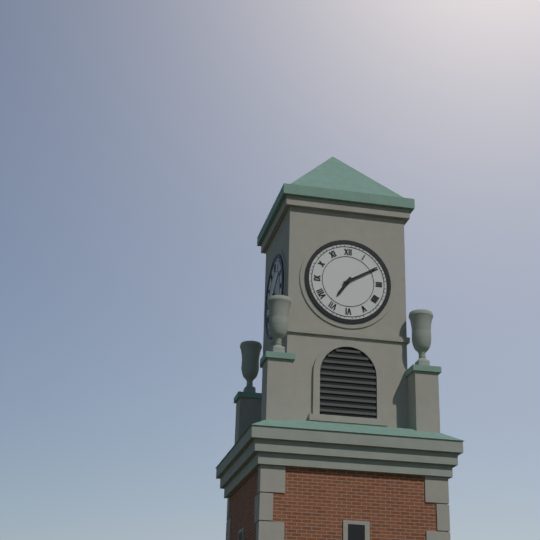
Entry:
7:10
